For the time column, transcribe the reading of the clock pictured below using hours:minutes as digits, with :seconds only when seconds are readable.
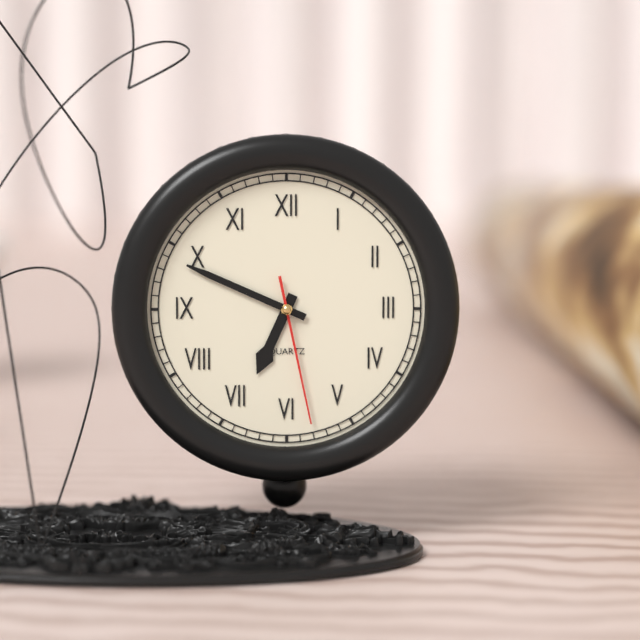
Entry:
6:49:28
